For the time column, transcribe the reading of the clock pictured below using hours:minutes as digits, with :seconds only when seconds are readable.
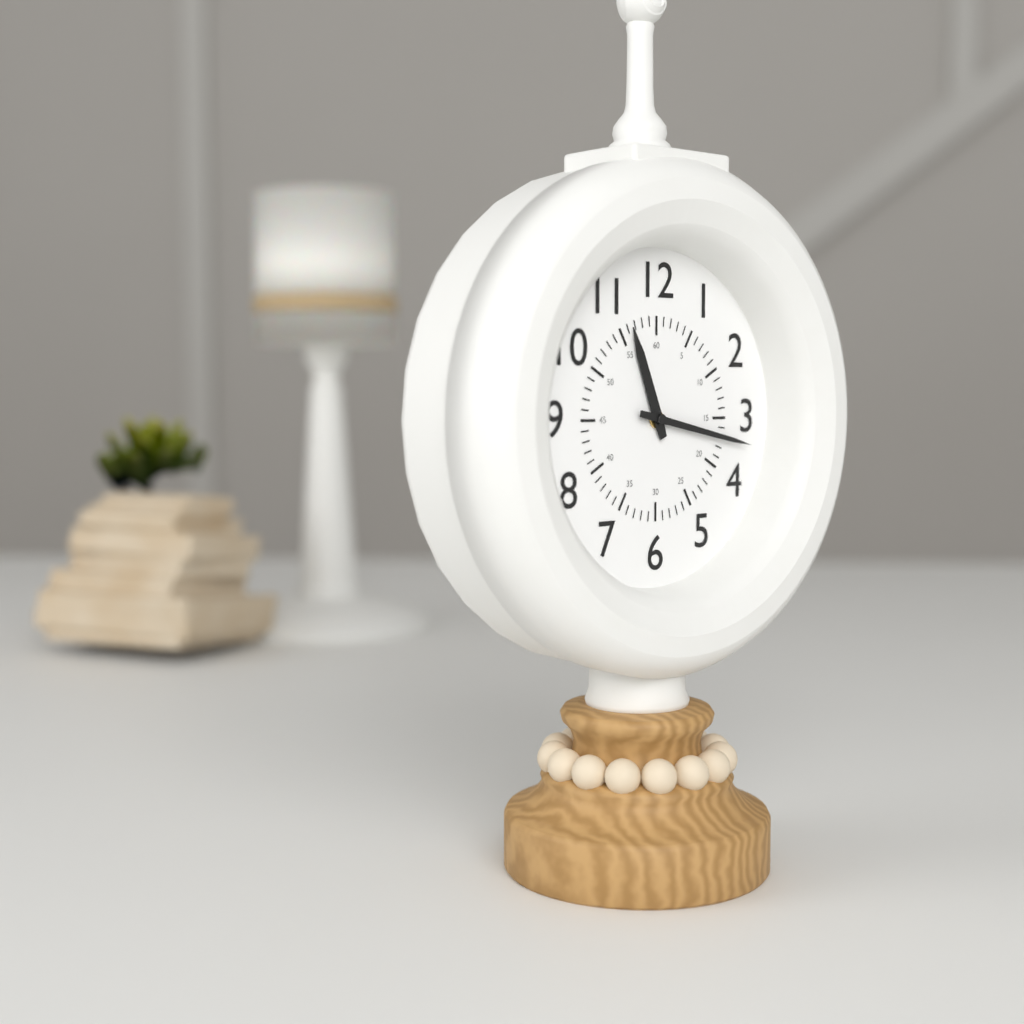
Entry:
11:17
